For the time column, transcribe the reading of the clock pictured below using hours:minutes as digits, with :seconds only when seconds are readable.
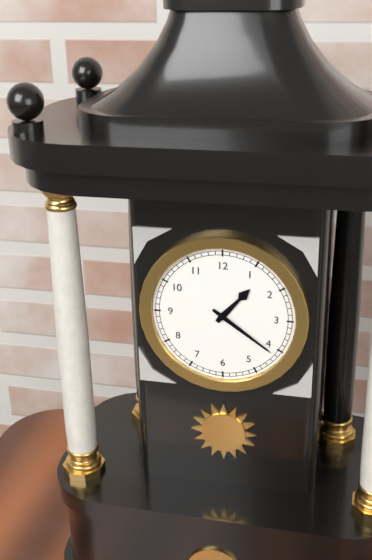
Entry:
1:21
